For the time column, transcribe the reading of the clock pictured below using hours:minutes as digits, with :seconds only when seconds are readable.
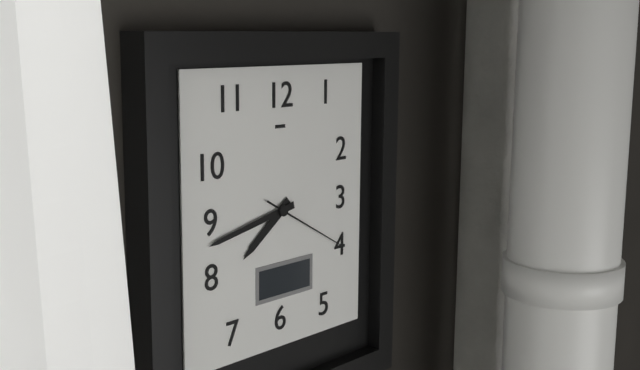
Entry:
7:43:20
